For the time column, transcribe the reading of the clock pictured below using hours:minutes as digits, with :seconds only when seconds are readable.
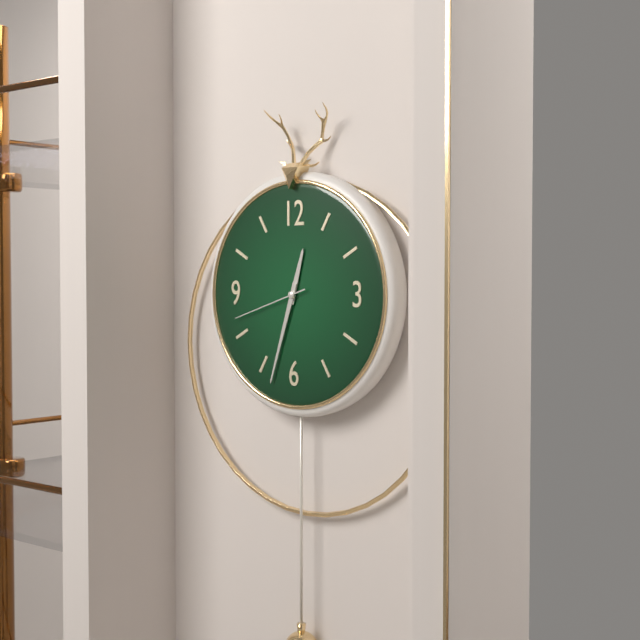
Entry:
12:33:42
